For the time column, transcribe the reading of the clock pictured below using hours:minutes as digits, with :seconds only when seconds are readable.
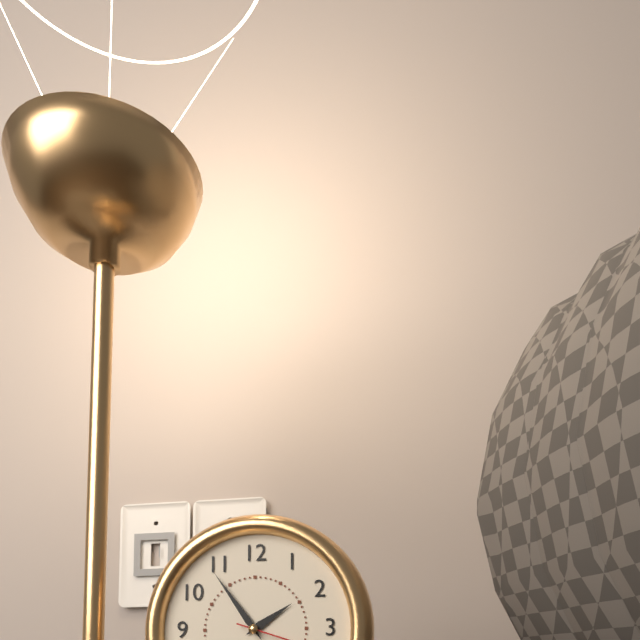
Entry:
1:54
